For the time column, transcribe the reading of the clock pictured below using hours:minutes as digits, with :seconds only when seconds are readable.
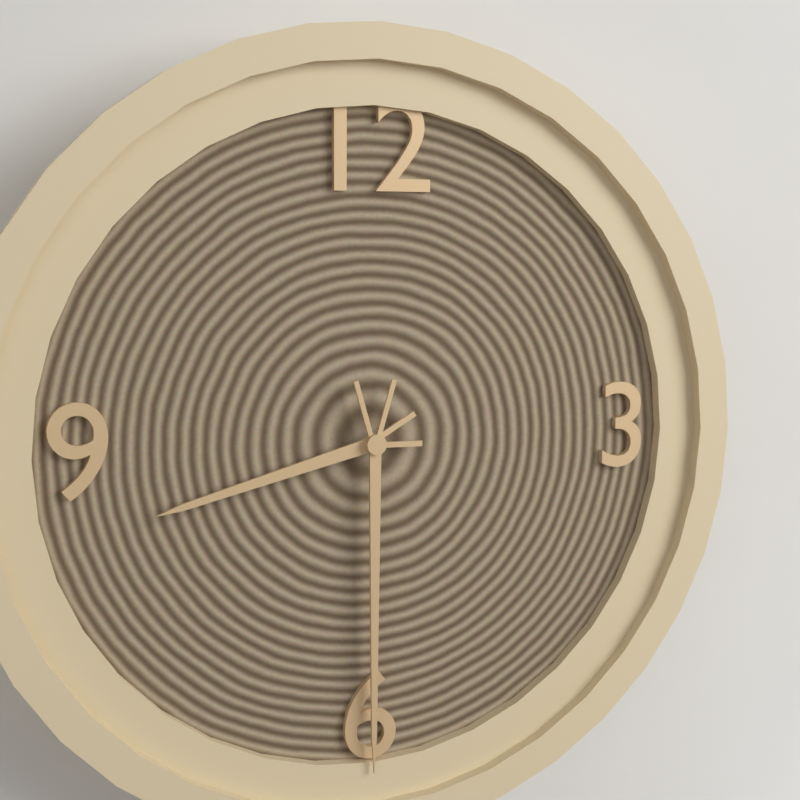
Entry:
8:30
